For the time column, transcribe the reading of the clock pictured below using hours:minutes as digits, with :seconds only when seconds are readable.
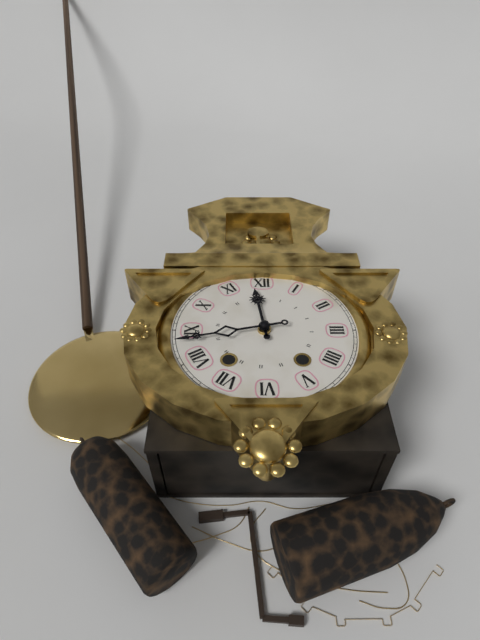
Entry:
11:43
